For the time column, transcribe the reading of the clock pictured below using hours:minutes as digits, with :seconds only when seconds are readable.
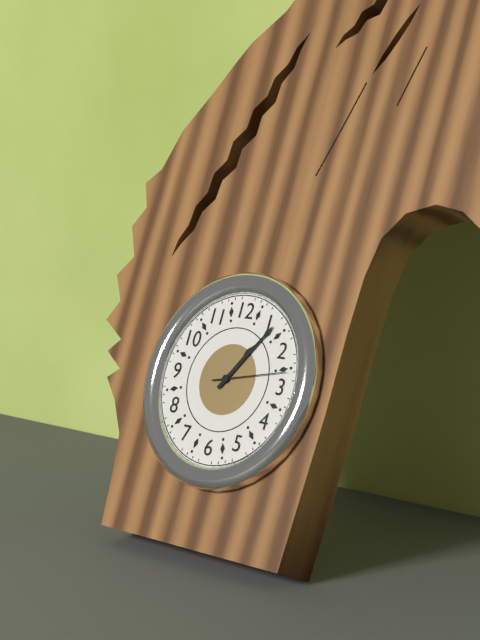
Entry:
1:06:13
